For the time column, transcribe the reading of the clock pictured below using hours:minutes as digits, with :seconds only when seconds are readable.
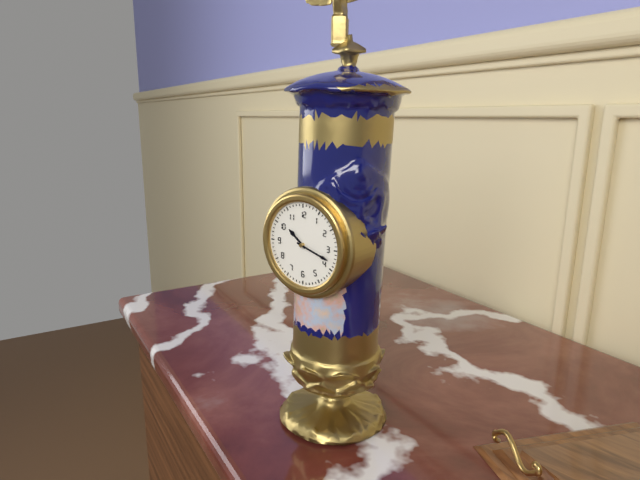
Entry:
10:18
